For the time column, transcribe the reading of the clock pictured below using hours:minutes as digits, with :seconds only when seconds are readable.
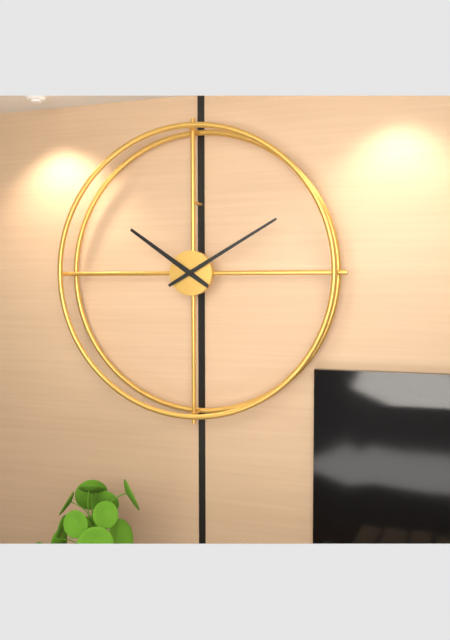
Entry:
10:10
